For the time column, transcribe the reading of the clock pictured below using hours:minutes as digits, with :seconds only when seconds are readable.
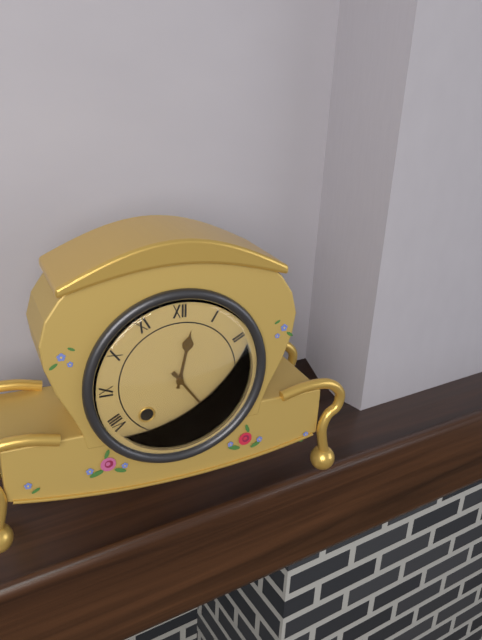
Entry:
12:24
